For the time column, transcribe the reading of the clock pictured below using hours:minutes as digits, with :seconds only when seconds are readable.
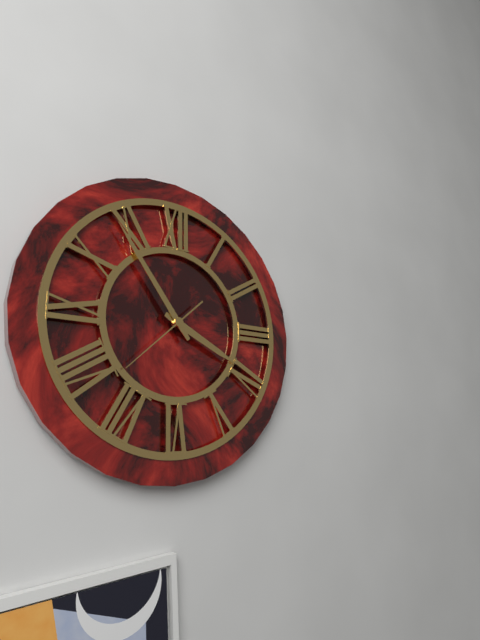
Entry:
3:54:38
